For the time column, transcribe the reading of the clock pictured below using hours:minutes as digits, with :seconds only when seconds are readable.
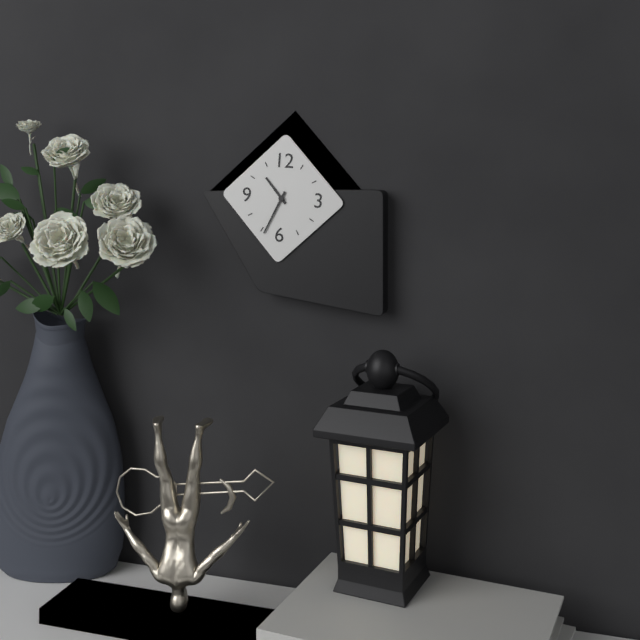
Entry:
10:34
